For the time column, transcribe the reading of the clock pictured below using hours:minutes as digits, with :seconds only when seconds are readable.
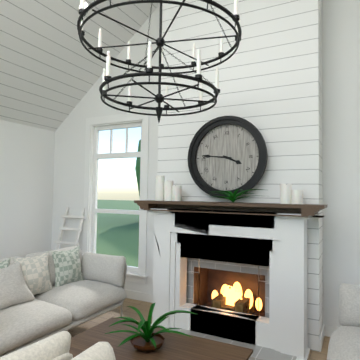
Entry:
3:46
